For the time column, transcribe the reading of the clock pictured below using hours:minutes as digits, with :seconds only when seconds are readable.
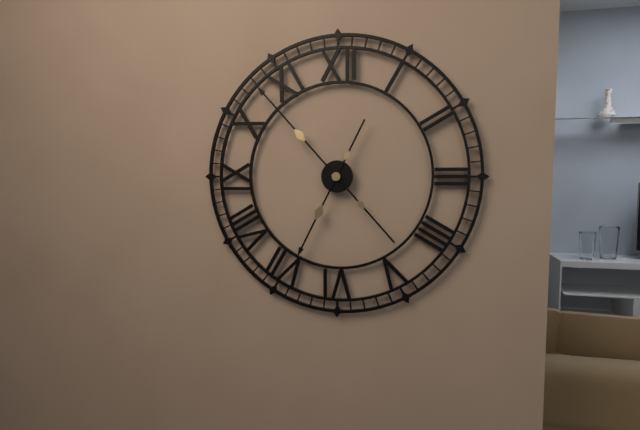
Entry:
6:53
